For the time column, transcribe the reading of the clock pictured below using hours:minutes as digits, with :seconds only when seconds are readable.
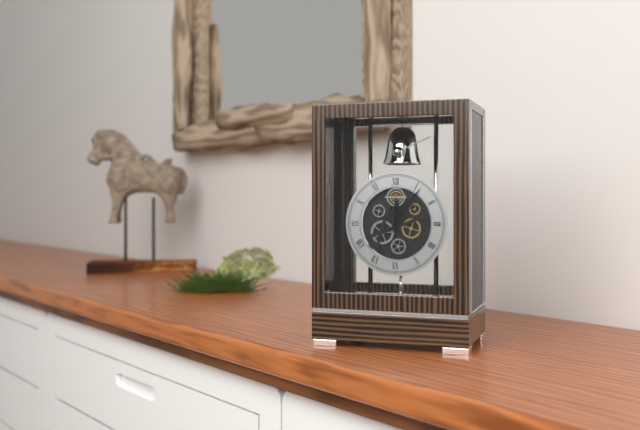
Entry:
12:06
